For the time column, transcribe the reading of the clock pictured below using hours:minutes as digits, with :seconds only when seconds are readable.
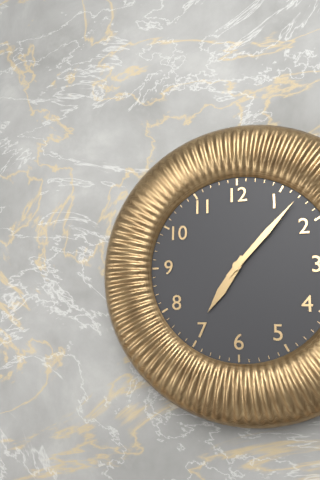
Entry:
7:07
